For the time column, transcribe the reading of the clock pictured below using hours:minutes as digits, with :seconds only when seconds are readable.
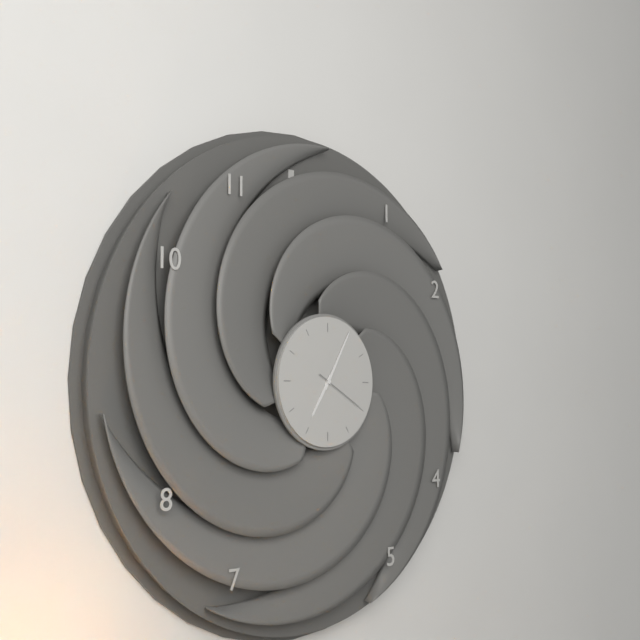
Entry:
7:05:20
